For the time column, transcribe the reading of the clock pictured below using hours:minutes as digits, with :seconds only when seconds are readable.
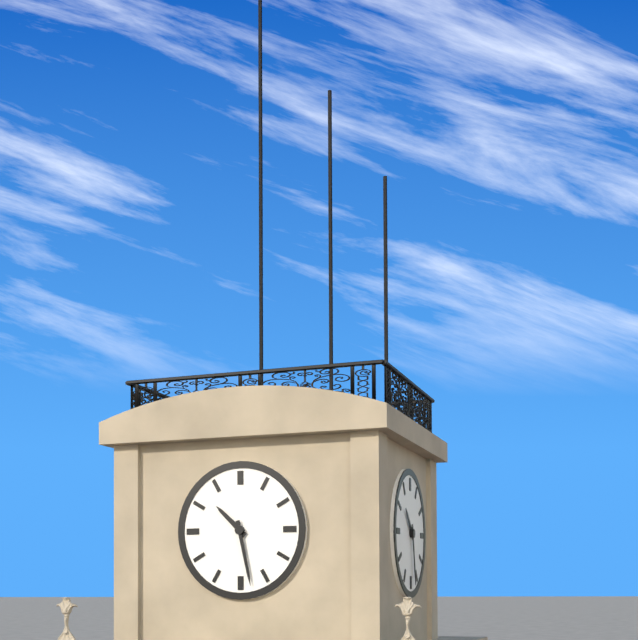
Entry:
10:28
